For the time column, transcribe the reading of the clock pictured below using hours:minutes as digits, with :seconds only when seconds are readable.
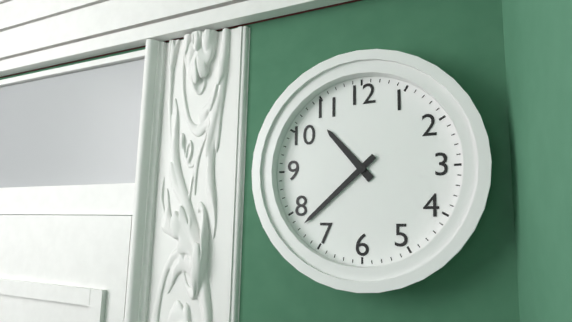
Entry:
10:38
